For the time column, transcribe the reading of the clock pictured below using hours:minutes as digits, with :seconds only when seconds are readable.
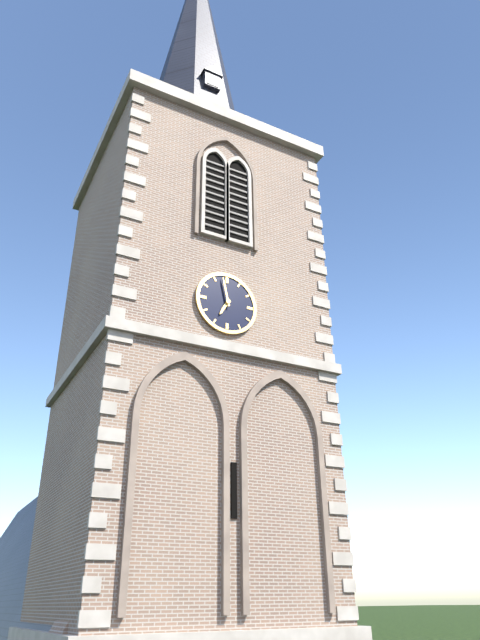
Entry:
6:58
